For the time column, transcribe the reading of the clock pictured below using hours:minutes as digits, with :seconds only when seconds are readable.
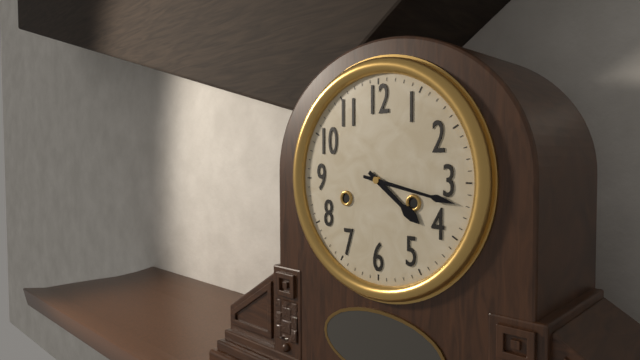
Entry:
4:17
